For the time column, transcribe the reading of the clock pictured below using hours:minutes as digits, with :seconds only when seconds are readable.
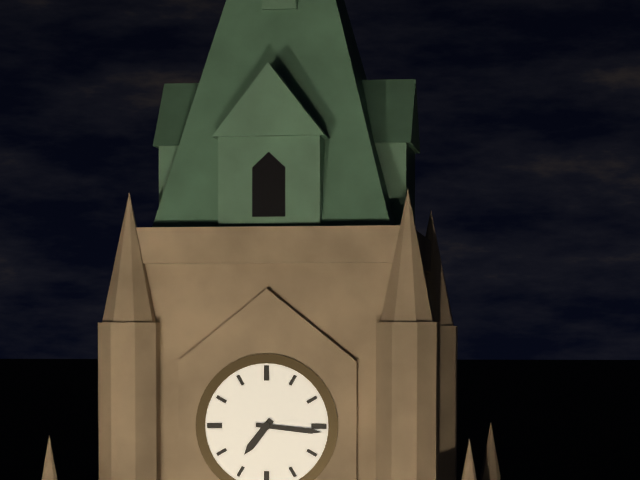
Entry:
7:16
